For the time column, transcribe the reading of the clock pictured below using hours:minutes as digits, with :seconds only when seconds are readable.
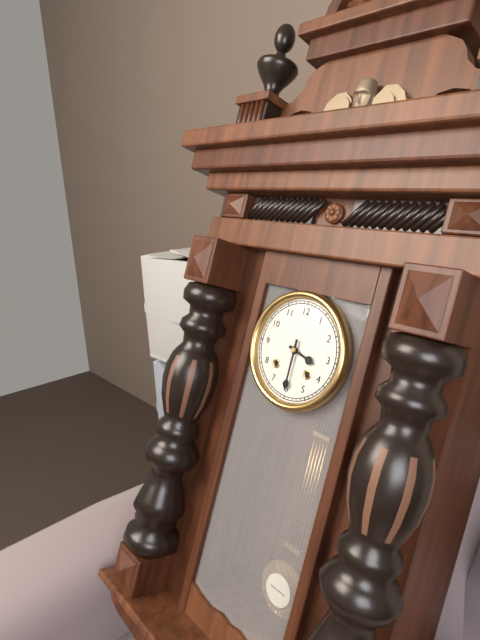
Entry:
3:30
